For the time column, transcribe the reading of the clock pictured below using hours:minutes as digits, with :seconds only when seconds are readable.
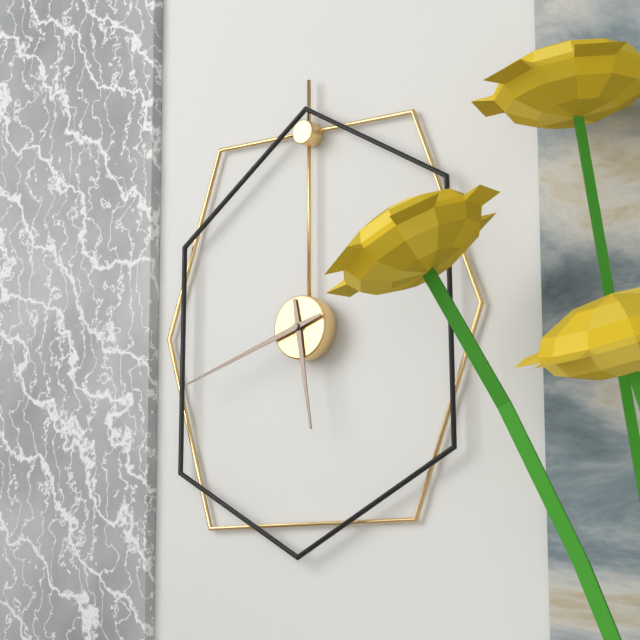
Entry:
5:42
